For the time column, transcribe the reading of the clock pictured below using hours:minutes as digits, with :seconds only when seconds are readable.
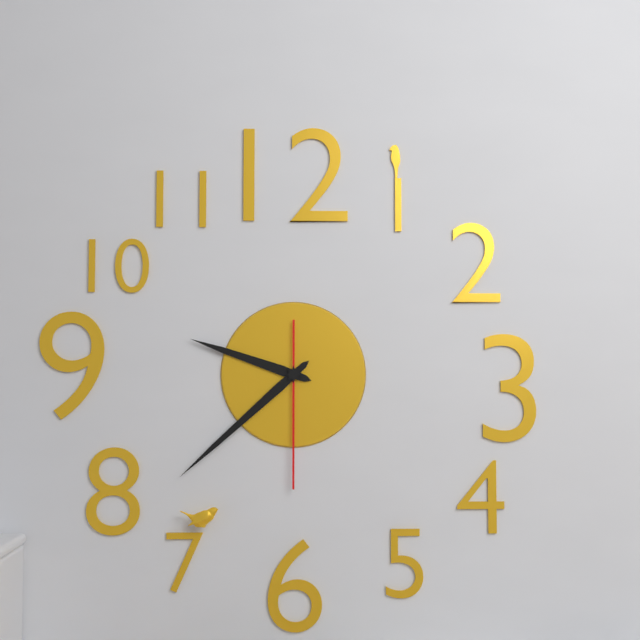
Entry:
9:38:30
